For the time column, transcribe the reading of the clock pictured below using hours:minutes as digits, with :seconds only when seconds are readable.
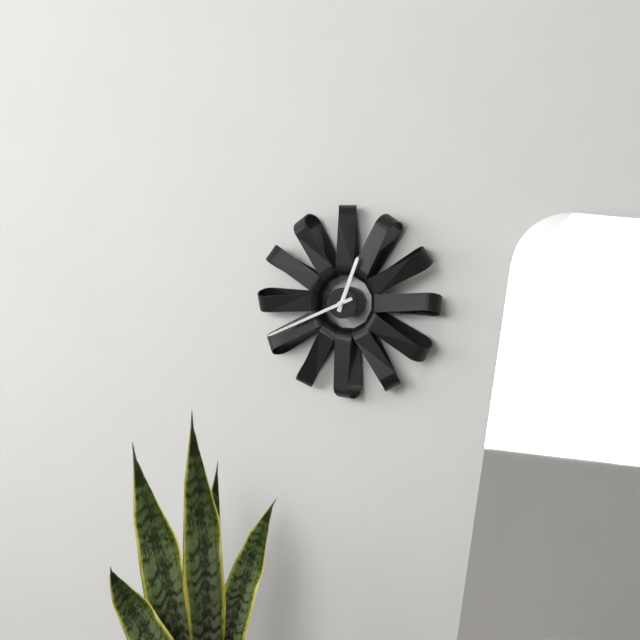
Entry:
12:41
